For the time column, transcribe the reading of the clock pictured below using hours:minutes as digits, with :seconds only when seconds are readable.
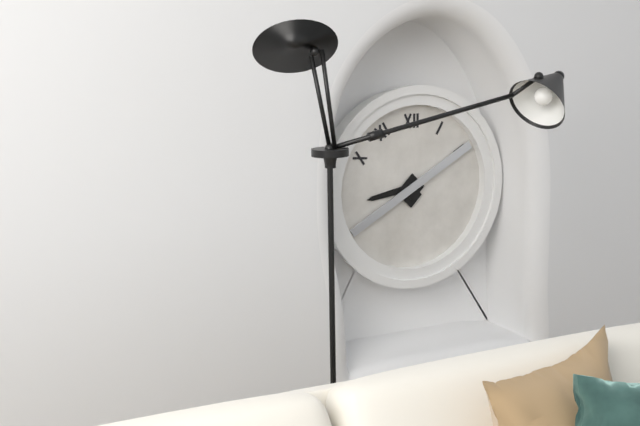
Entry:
8:40
